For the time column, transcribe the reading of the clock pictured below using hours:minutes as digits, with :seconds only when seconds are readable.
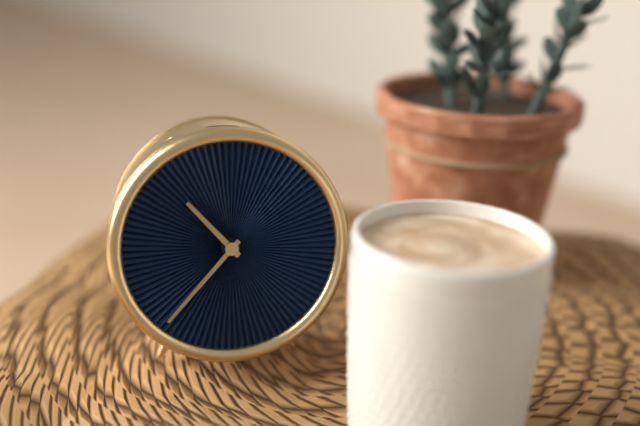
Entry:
10:37
